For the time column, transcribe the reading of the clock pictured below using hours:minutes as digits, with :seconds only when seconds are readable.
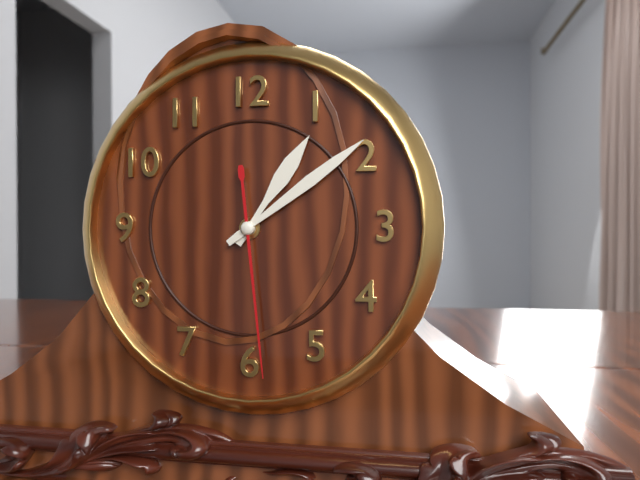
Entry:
1:09:29
